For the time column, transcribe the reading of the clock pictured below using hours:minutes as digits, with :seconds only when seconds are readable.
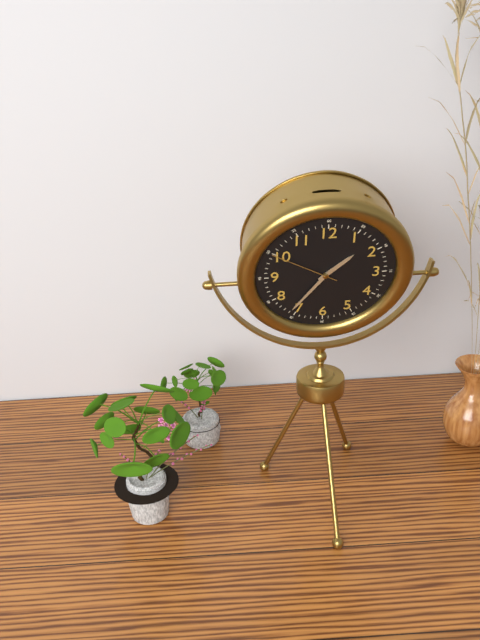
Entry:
1:36:50
